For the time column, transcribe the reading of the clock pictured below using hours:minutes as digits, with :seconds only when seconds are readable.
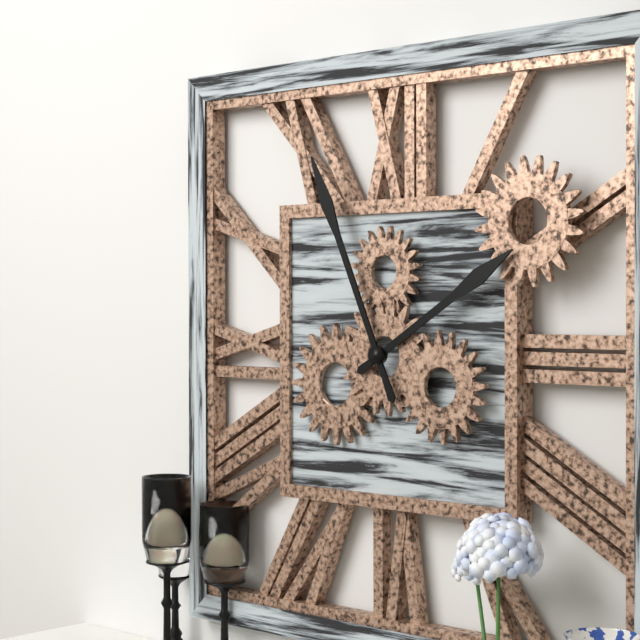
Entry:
1:56
